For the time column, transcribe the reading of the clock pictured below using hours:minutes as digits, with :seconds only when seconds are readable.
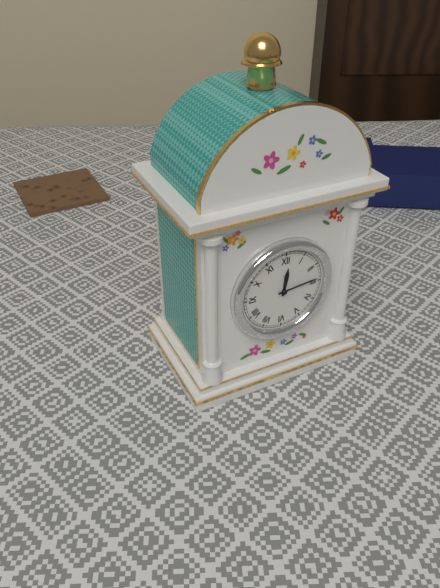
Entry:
12:14
